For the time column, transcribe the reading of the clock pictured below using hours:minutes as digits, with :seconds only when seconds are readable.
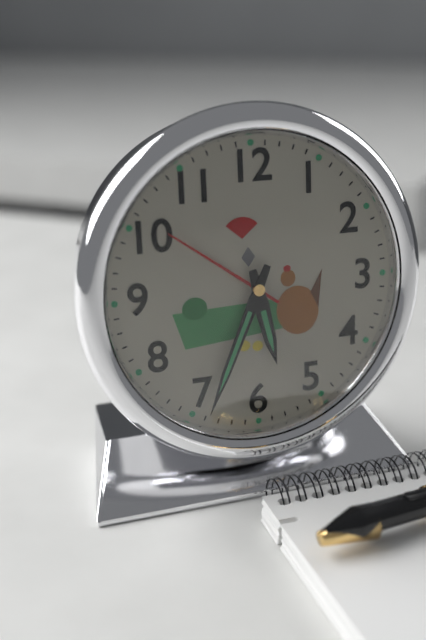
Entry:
5:34
